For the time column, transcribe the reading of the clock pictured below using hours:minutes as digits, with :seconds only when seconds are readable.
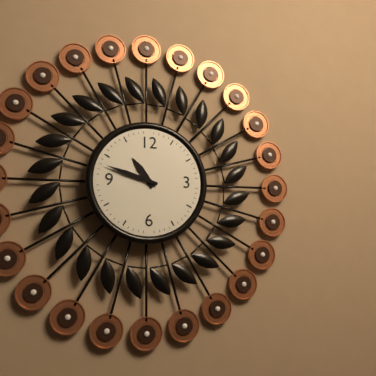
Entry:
10:48
